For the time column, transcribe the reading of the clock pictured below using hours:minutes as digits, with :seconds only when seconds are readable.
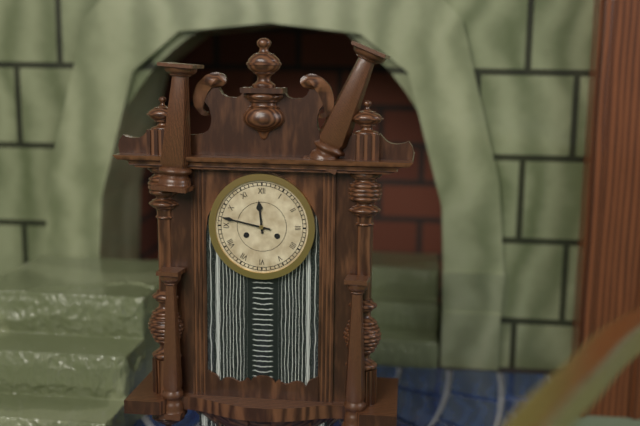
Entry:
11:47
